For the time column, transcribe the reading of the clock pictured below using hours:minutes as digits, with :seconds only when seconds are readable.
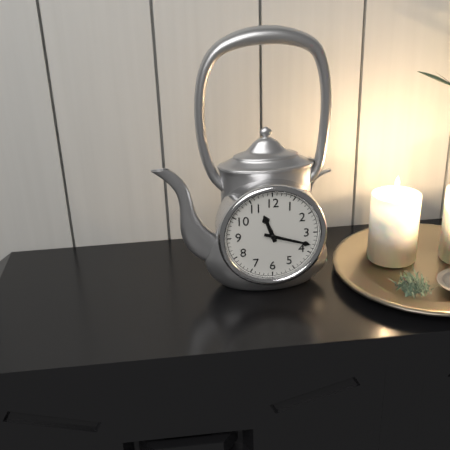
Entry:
11:18
